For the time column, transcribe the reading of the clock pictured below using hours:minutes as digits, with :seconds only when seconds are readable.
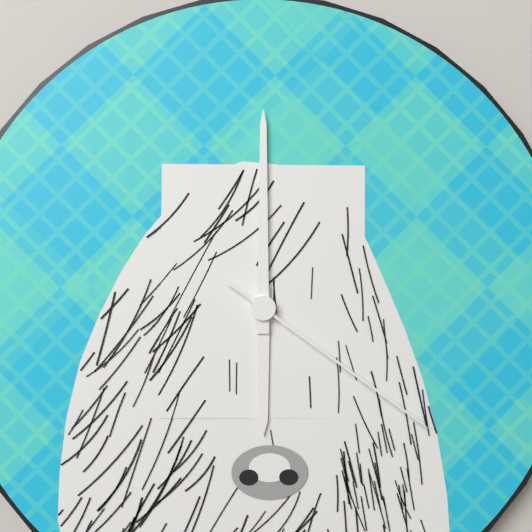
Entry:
6:00:21
